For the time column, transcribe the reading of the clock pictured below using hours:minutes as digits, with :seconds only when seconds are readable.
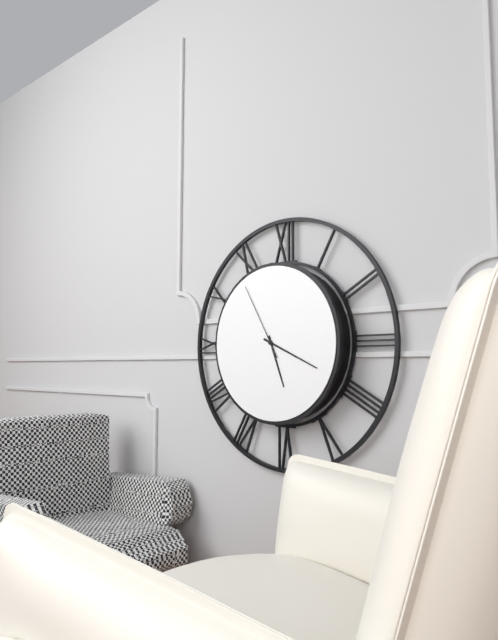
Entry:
5:19:55
